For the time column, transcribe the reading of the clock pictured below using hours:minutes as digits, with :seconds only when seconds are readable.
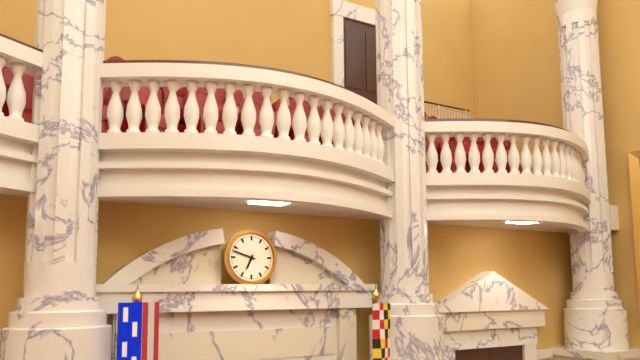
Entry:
6:48
